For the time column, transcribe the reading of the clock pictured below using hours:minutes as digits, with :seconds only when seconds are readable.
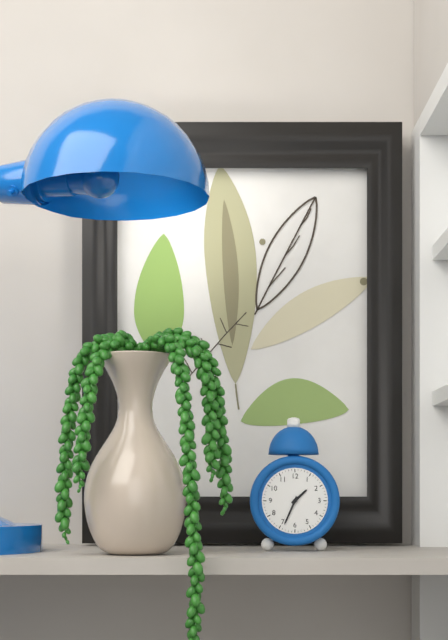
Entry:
1:34
